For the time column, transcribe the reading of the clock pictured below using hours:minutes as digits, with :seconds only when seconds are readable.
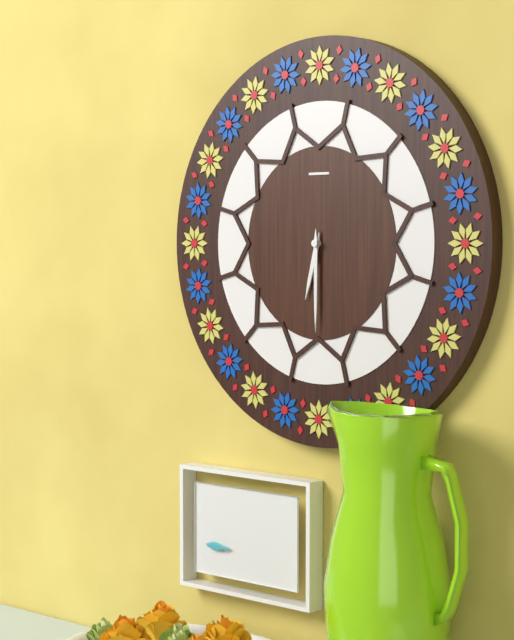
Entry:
6:30
